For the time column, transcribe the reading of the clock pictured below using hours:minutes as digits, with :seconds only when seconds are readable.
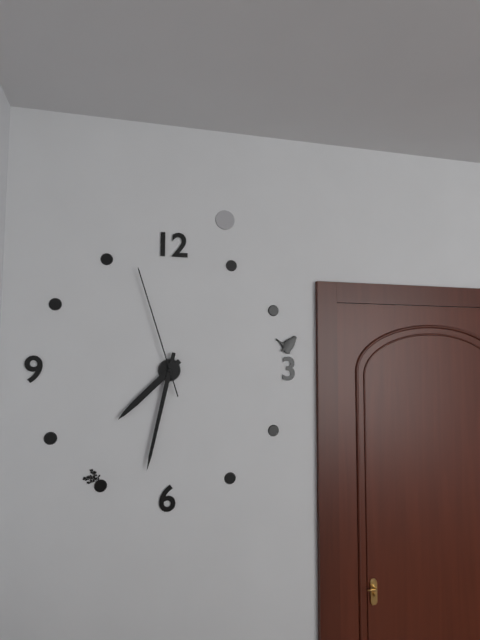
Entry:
7:32:57
